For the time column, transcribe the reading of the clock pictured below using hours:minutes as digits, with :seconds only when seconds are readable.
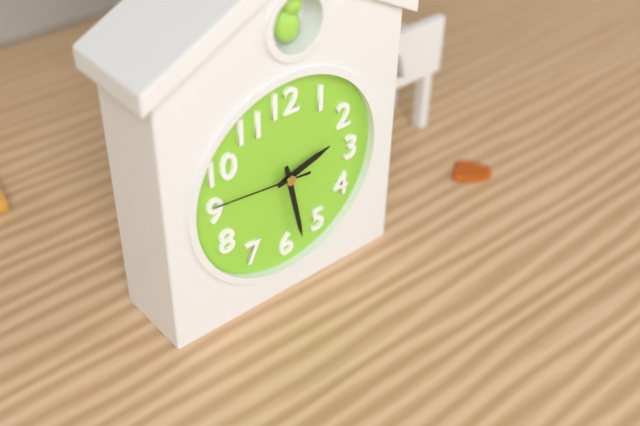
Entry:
2:28:46
